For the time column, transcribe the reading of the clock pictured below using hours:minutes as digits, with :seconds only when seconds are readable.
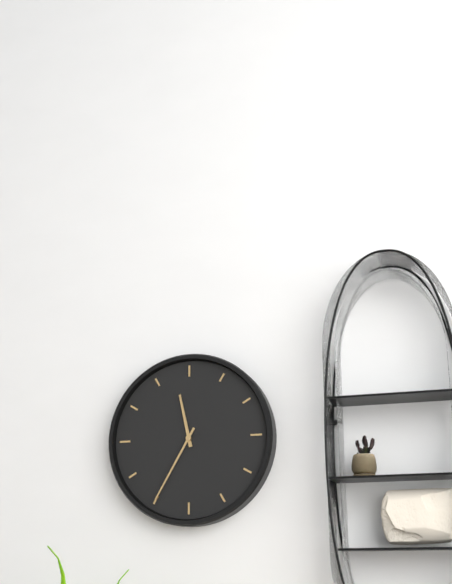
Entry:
11:35
